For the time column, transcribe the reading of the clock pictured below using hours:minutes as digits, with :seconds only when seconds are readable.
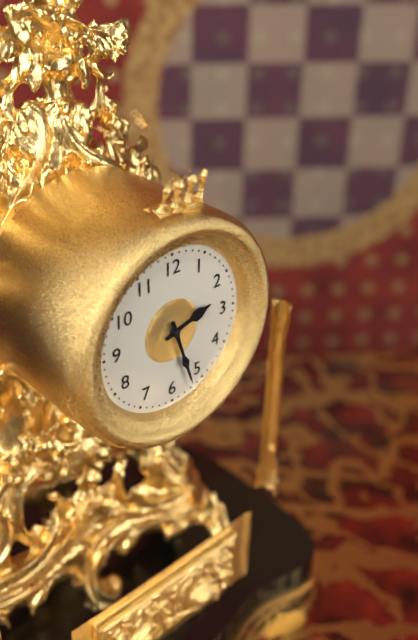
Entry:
2:27
